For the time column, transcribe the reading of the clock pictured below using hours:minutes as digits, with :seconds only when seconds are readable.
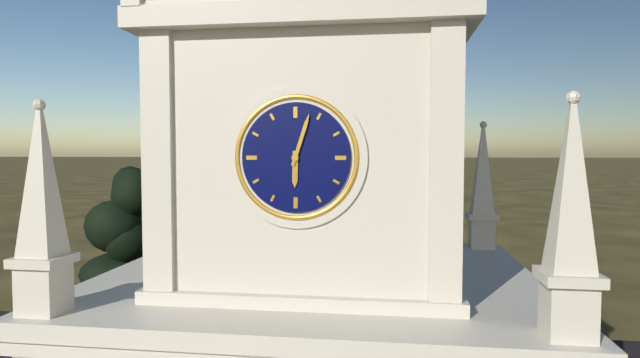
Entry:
6:03
